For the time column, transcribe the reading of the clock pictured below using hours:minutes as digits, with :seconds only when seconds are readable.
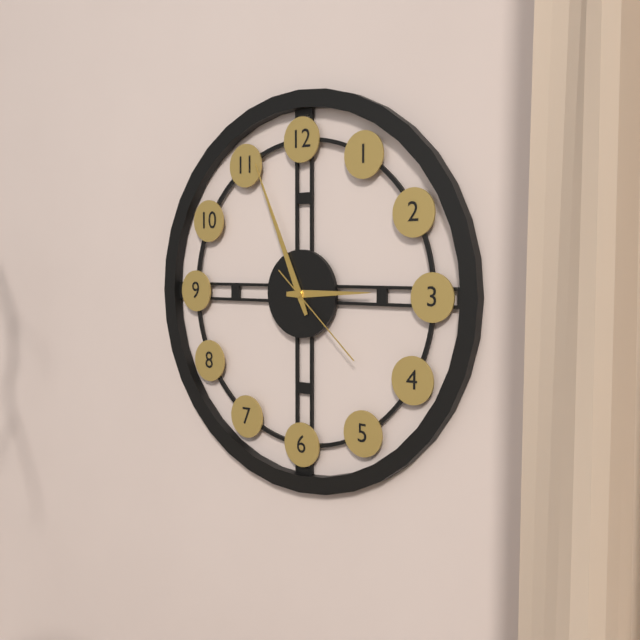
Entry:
2:56:22
